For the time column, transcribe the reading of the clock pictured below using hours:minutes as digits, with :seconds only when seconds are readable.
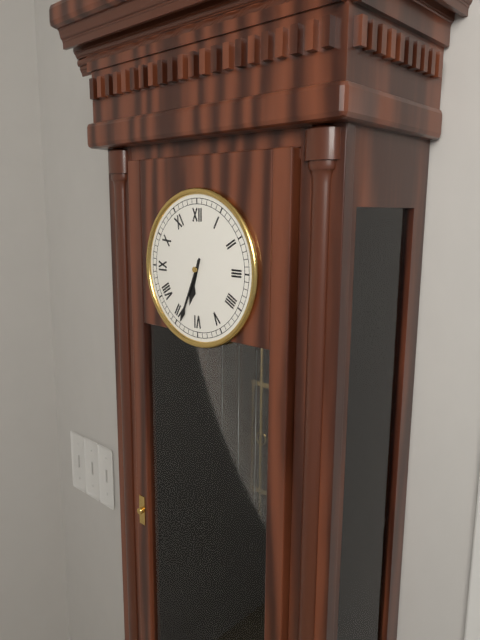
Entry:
6:34
